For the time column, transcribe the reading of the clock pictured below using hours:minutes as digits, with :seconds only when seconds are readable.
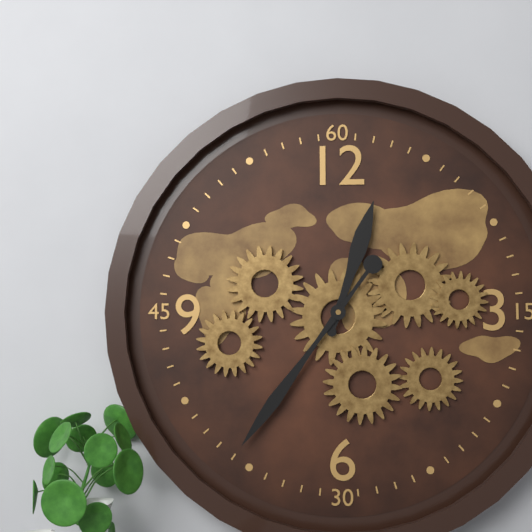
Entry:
12:36
